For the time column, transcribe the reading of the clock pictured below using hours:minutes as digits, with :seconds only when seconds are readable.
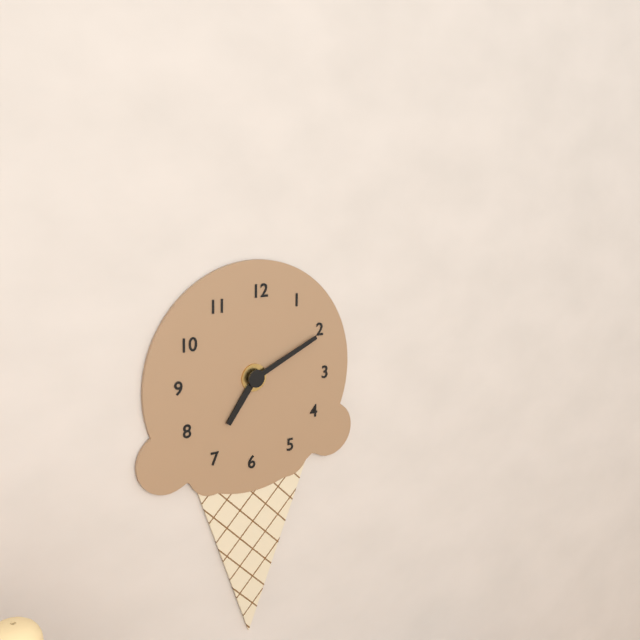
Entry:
7:11
